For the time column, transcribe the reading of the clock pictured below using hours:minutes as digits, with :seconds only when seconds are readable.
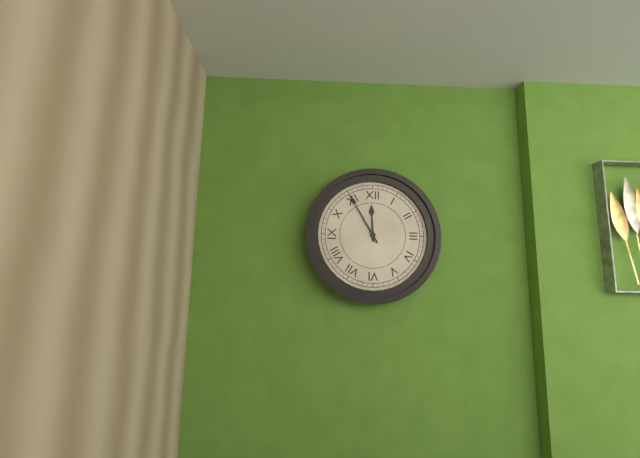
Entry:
11:55
